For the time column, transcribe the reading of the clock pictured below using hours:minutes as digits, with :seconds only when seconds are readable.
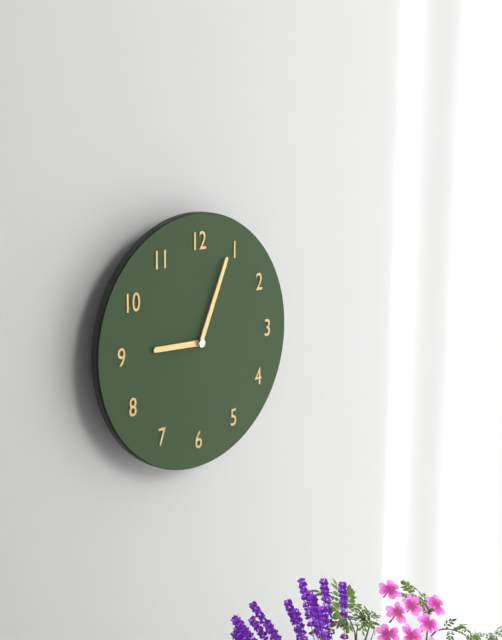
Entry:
9:04
